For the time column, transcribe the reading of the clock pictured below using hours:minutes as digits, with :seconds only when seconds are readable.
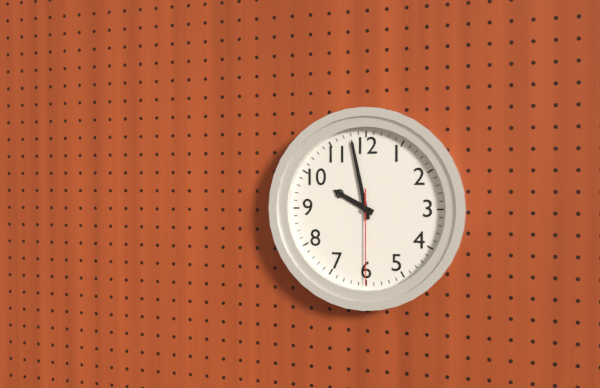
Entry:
9:58:30
